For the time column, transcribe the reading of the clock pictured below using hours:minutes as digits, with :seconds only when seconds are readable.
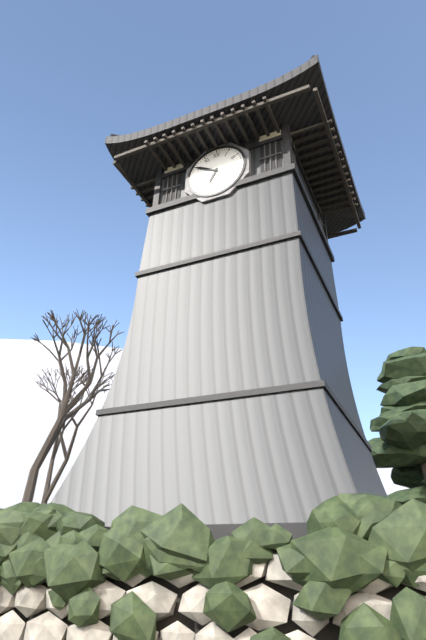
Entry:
6:50
